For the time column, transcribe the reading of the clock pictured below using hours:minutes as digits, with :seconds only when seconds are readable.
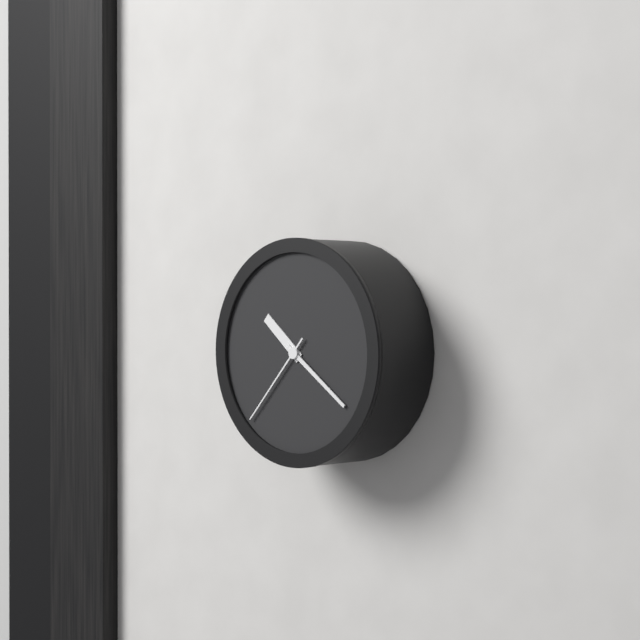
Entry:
10:21:37
